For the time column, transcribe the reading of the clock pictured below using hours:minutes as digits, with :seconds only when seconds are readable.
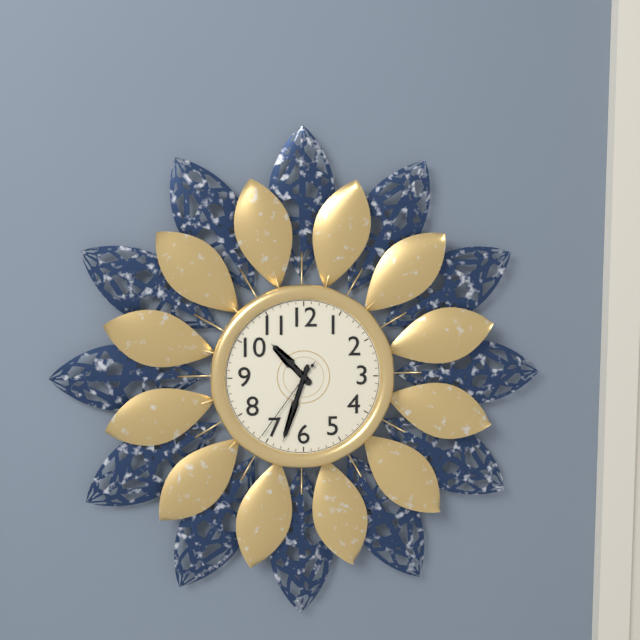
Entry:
10:33:36
